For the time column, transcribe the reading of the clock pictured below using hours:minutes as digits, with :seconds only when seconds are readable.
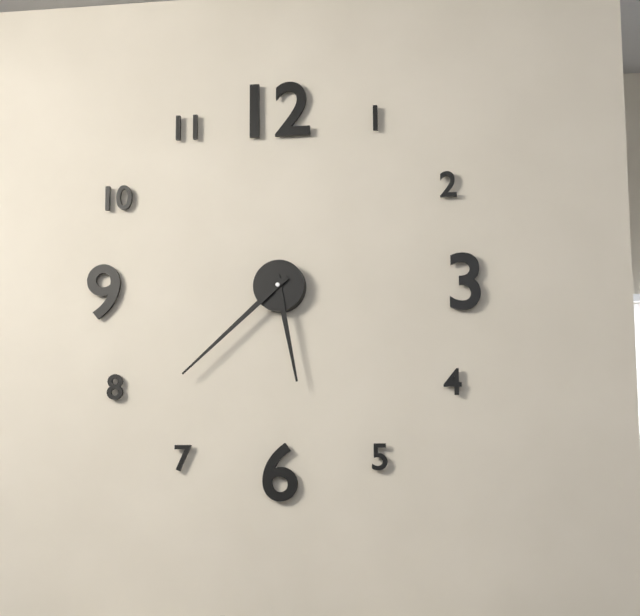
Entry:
5:38
